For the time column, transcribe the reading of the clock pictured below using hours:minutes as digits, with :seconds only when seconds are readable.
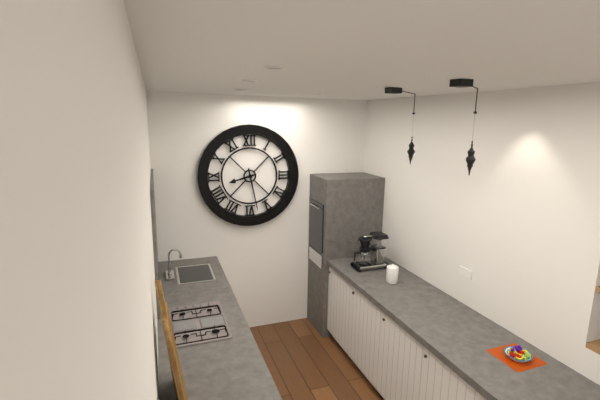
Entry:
8:28
